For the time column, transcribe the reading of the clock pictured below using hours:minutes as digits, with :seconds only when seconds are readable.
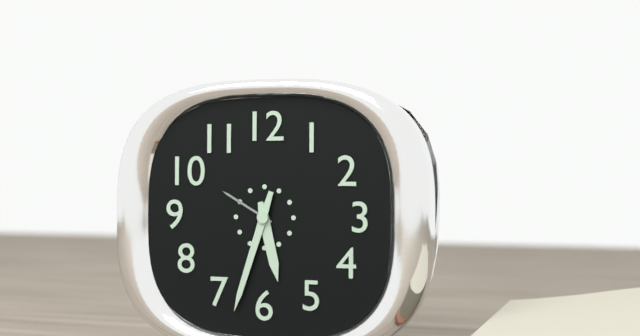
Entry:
5:33
